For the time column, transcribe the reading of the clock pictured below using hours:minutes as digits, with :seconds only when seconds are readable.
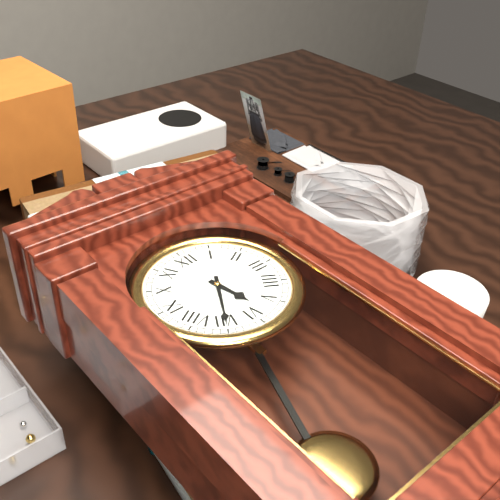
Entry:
5:35
